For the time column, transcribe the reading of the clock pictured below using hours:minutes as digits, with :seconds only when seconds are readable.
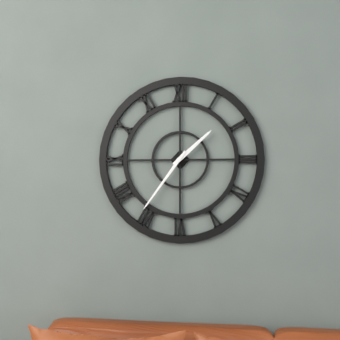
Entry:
1:36
